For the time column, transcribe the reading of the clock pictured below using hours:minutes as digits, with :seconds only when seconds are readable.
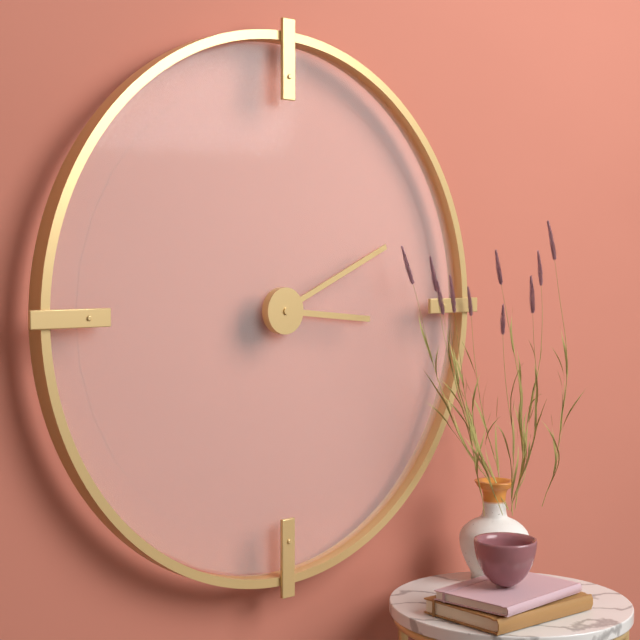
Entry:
3:11
